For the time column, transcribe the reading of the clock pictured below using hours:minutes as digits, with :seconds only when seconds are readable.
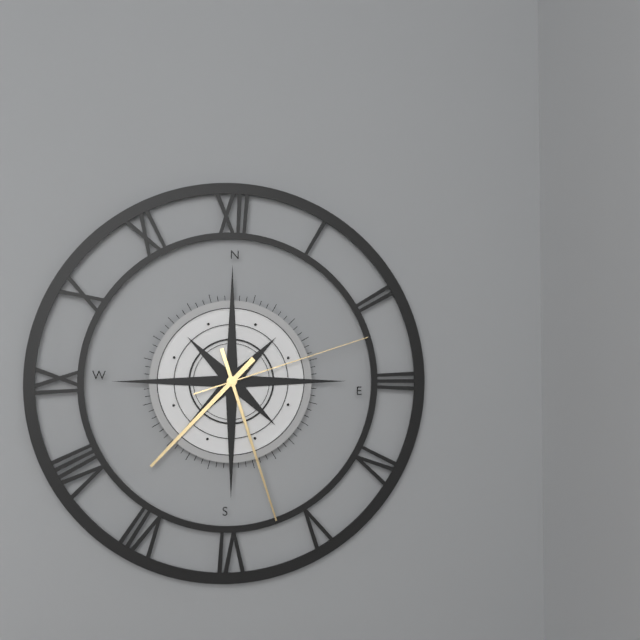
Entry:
7:27:12
